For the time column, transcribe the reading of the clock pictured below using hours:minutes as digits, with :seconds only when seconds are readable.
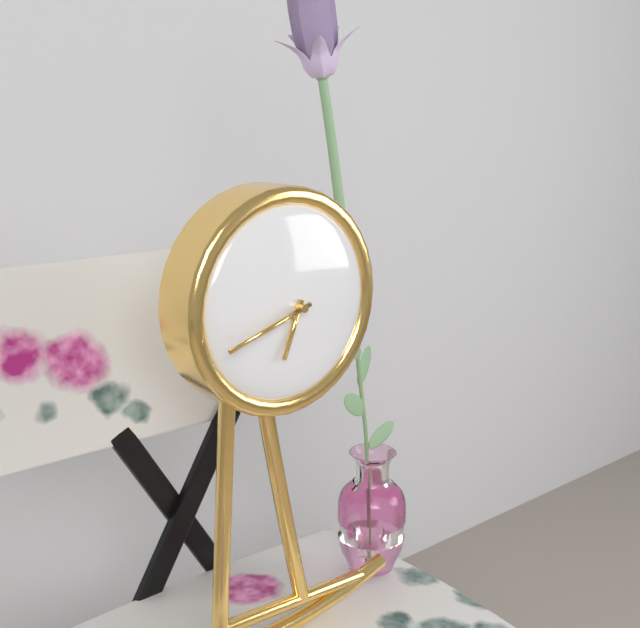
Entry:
6:42
